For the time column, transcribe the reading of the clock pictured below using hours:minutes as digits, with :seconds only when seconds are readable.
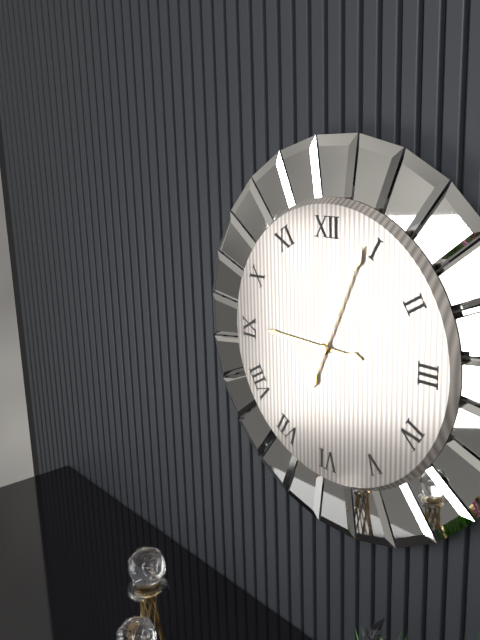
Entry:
9:04
